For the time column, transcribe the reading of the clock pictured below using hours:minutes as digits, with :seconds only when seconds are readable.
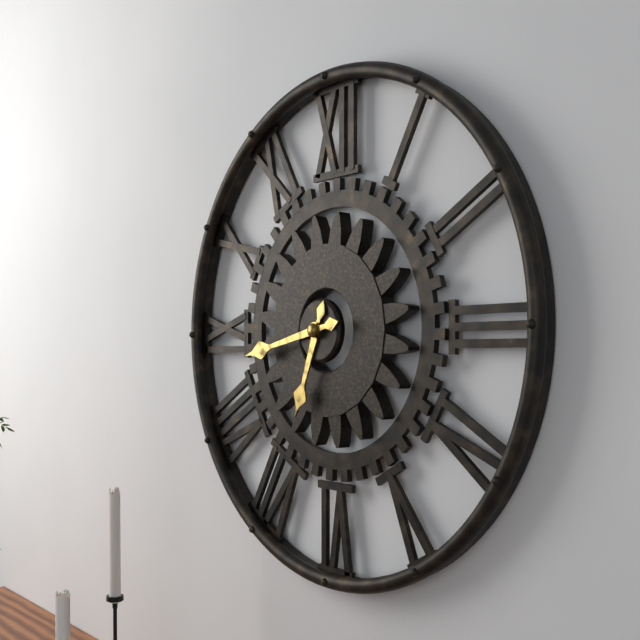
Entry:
6:43
